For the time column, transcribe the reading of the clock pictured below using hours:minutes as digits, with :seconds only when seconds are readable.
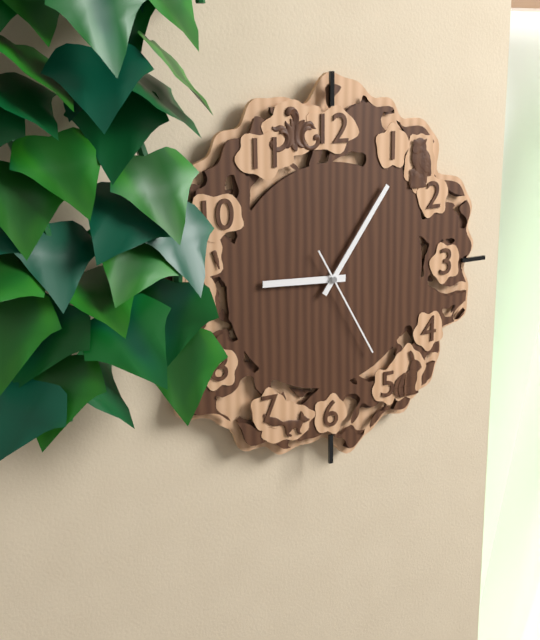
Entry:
9:06:25
